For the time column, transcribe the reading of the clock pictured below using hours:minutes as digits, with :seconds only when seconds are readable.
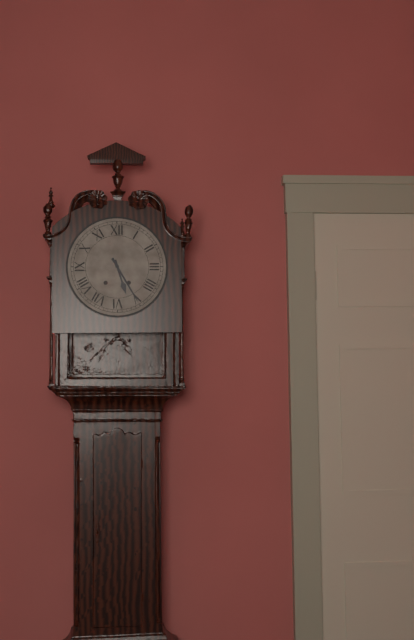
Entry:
5:25
